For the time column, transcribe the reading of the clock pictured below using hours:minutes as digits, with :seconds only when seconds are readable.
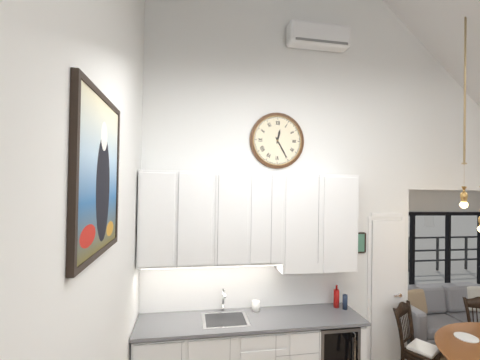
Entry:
12:25
